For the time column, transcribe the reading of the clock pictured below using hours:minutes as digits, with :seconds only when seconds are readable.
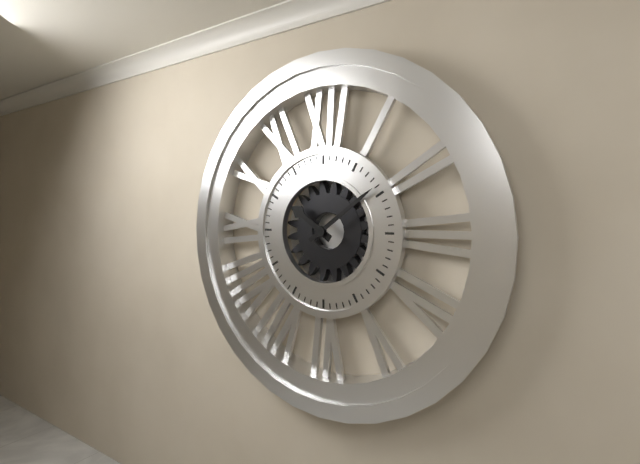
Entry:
10:09
